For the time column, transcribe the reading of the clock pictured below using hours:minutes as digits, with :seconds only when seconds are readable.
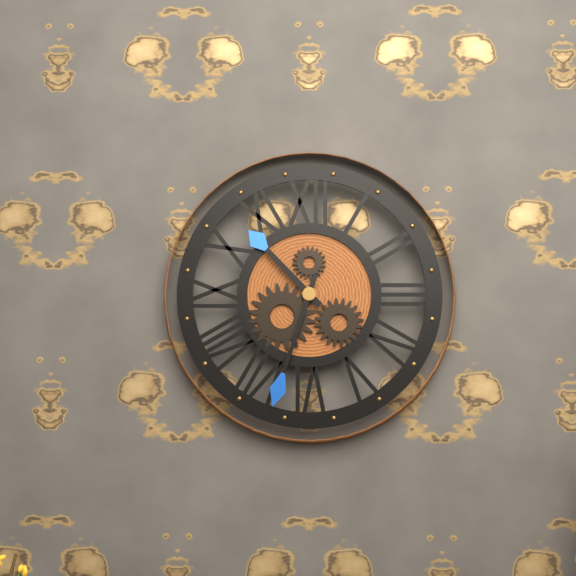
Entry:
10:33
